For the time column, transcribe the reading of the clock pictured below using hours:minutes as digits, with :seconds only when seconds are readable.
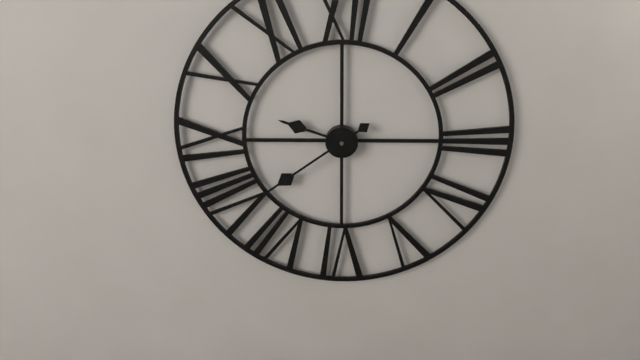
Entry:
9:39
